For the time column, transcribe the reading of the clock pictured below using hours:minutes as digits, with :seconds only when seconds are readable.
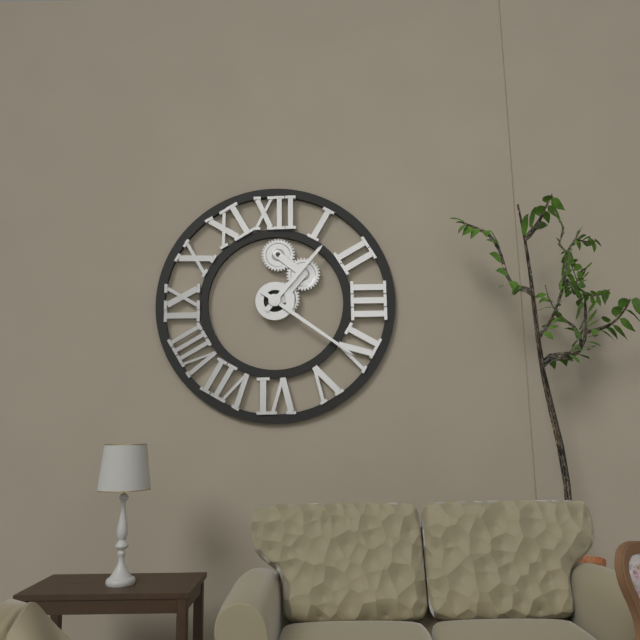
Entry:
1:21
